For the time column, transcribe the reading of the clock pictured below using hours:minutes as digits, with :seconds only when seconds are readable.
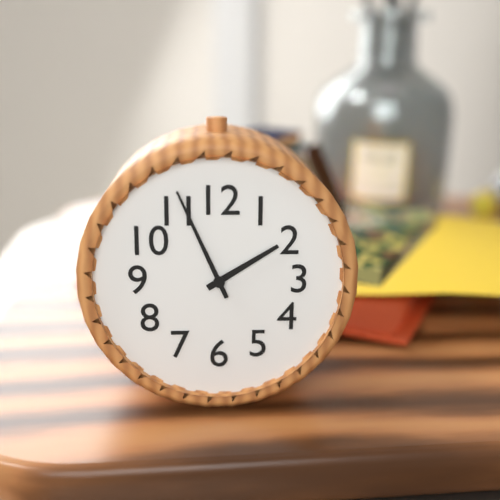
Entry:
1:56
